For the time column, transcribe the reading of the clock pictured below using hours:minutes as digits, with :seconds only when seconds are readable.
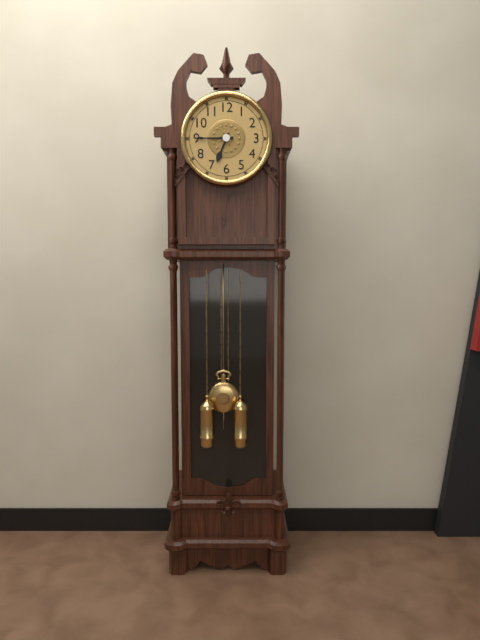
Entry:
6:45
